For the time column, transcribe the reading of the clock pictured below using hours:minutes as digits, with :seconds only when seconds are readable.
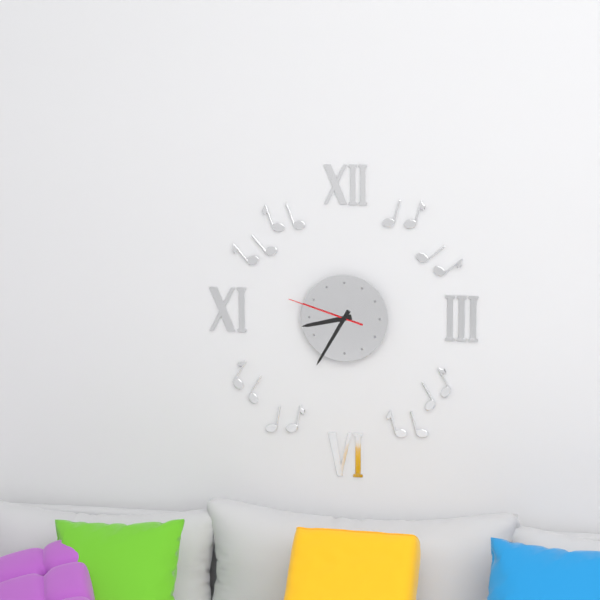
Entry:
8:35:48
